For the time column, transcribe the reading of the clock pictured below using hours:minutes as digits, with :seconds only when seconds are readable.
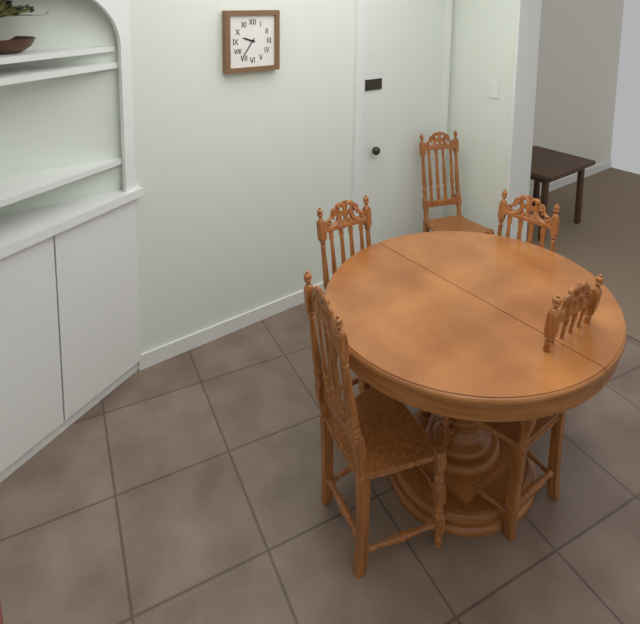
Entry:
9:36
